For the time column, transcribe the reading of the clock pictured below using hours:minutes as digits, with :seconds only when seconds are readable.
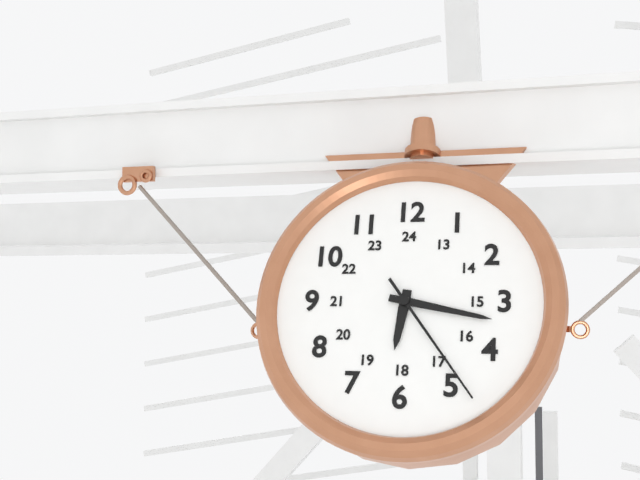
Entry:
6:17:24
